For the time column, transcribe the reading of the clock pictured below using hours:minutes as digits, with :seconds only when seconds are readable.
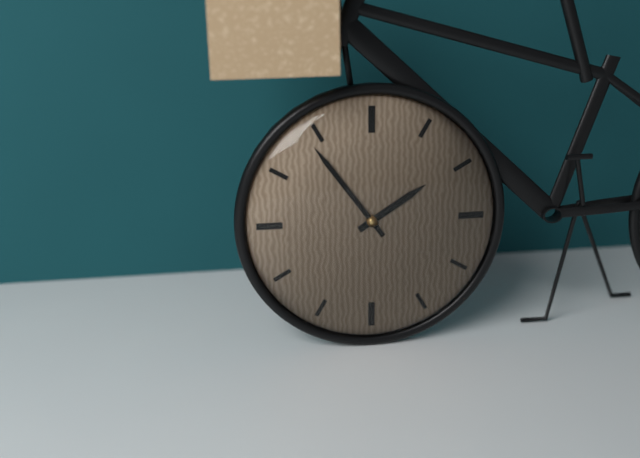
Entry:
1:54
